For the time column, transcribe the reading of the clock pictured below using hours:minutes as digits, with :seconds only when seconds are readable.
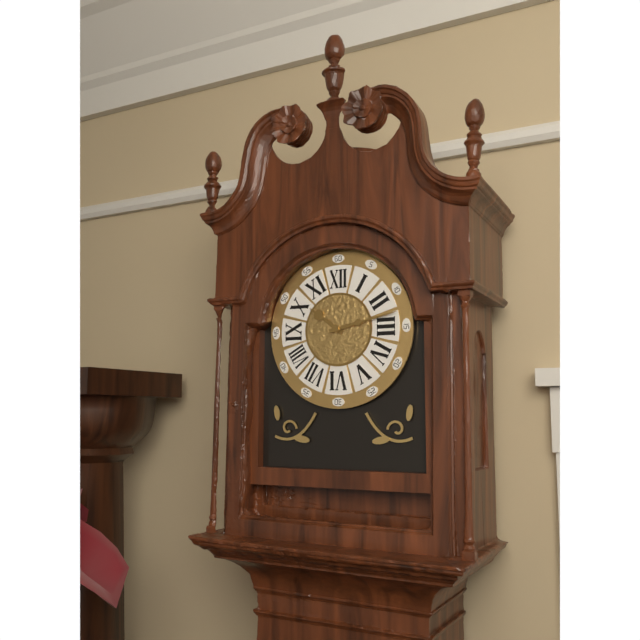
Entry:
10:13
